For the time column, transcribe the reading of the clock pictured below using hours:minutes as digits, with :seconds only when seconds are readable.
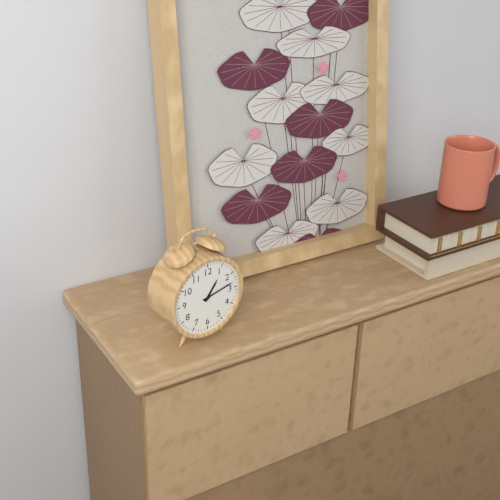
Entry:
1:13
